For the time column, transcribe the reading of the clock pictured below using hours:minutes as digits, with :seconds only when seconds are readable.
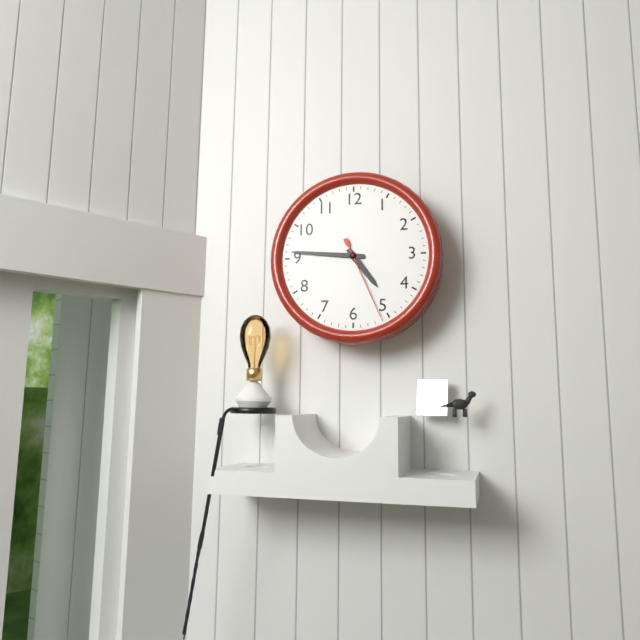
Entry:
4:46:26
